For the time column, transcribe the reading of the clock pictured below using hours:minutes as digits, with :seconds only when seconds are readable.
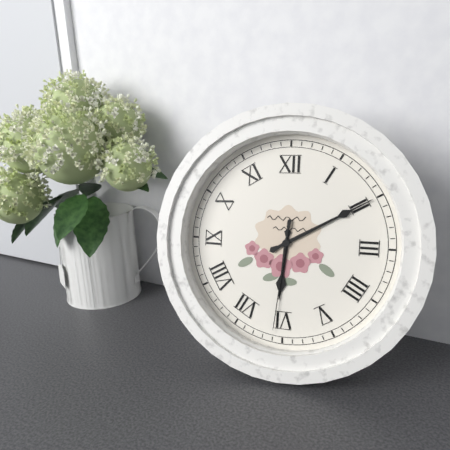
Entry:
6:10:31
